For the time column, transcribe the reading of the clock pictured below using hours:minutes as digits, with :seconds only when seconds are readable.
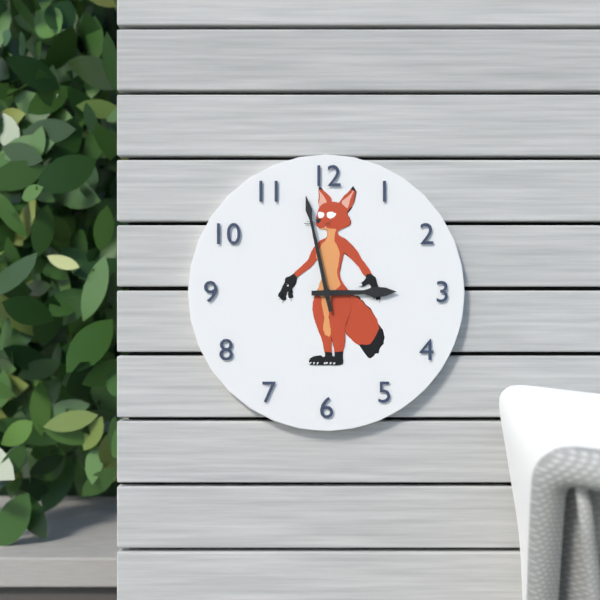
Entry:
2:58
